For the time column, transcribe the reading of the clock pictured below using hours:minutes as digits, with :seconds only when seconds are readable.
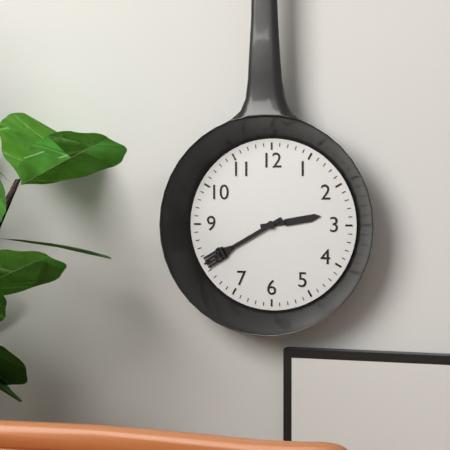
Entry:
2:40
